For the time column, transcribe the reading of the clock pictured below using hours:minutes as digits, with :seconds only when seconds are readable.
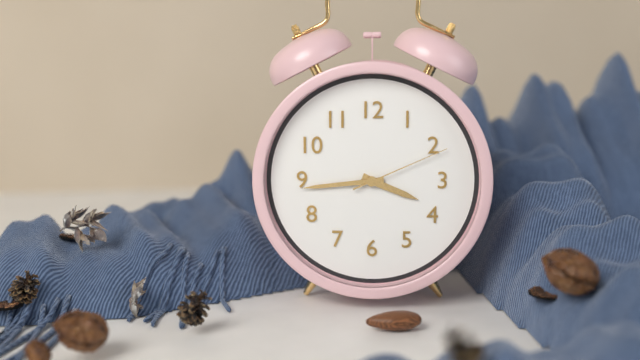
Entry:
3:44:11
